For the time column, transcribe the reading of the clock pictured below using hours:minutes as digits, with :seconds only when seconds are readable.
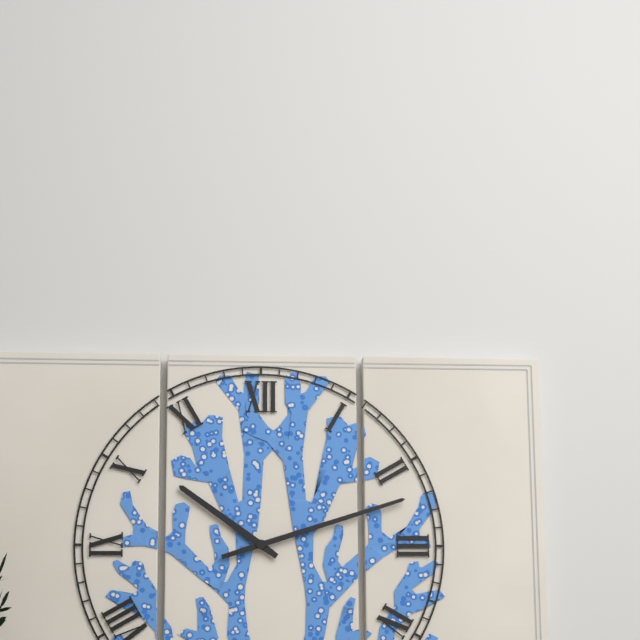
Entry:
10:12
